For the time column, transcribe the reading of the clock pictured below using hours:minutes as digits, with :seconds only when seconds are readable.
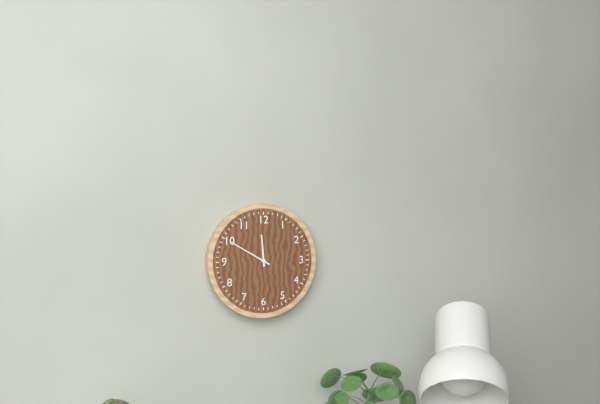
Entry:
11:50
